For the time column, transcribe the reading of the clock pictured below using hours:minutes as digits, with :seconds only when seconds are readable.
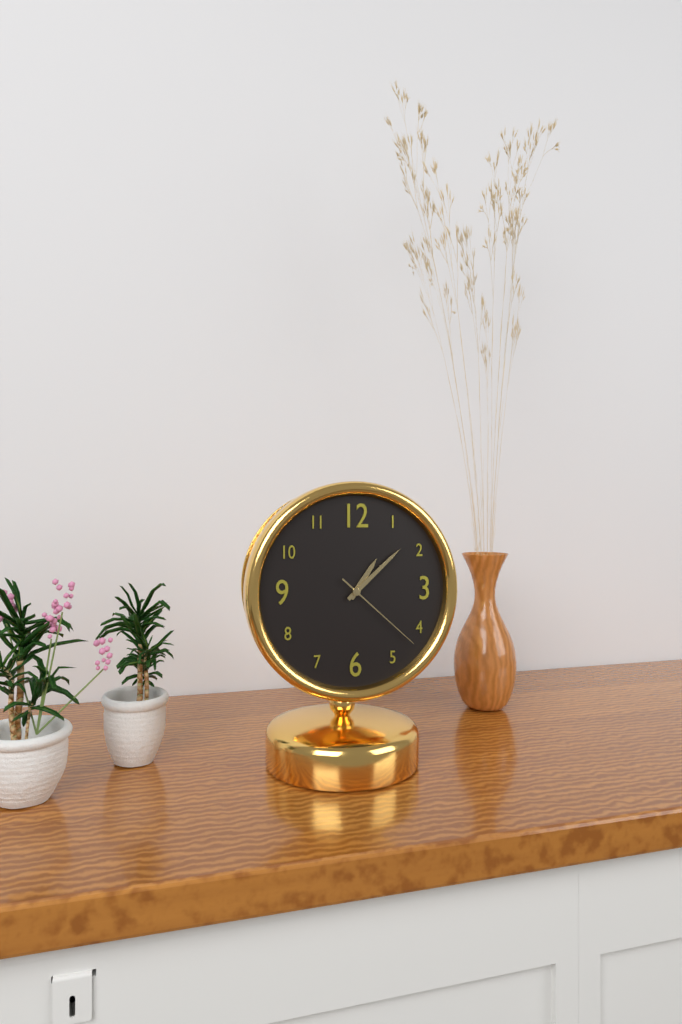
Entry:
1:08:22
